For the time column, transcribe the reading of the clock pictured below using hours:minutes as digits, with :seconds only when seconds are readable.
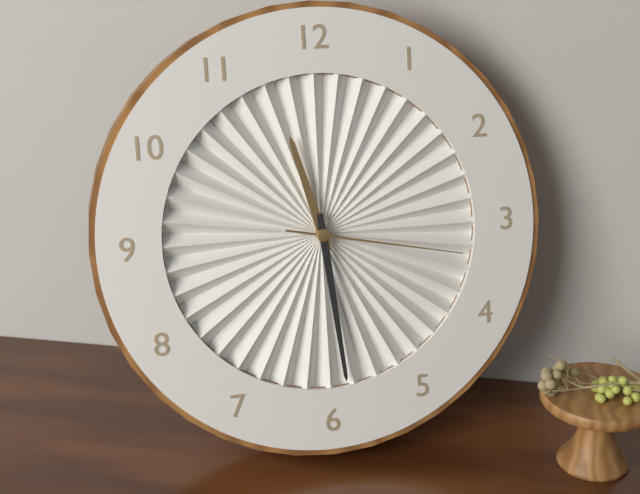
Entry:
11:29:17
